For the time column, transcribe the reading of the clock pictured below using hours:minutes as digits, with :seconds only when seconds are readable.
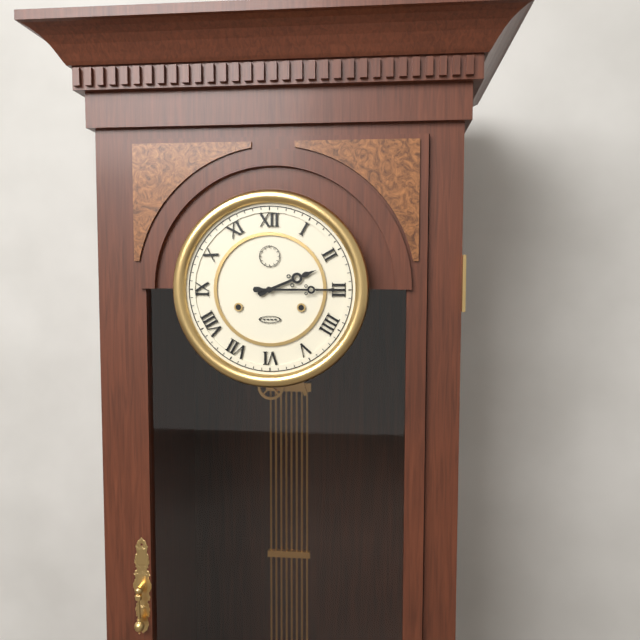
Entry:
2:15
